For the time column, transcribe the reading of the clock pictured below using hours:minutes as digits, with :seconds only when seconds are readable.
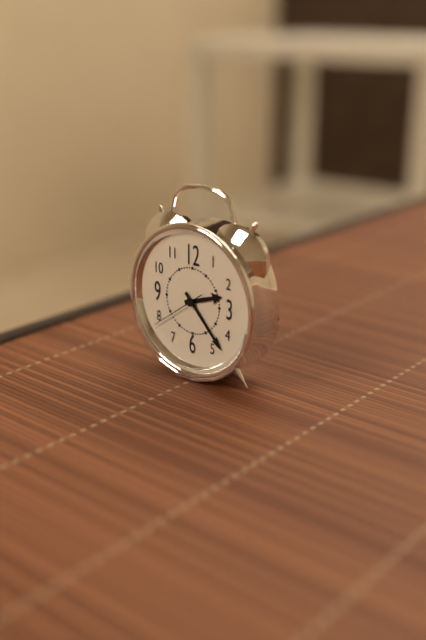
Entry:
2:23:39
